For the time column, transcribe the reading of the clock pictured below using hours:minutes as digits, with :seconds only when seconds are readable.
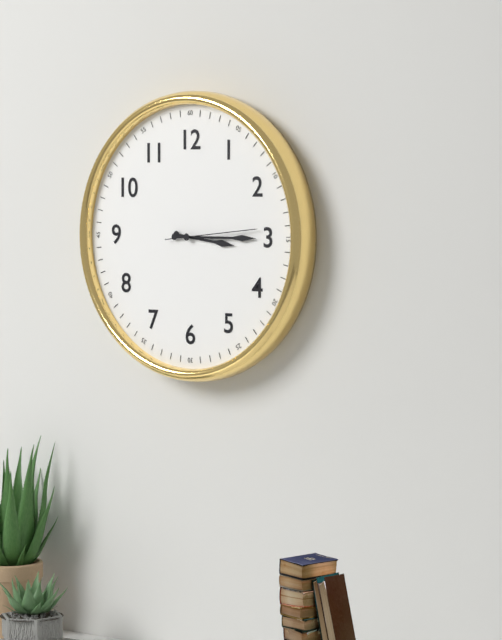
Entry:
3:15:14
